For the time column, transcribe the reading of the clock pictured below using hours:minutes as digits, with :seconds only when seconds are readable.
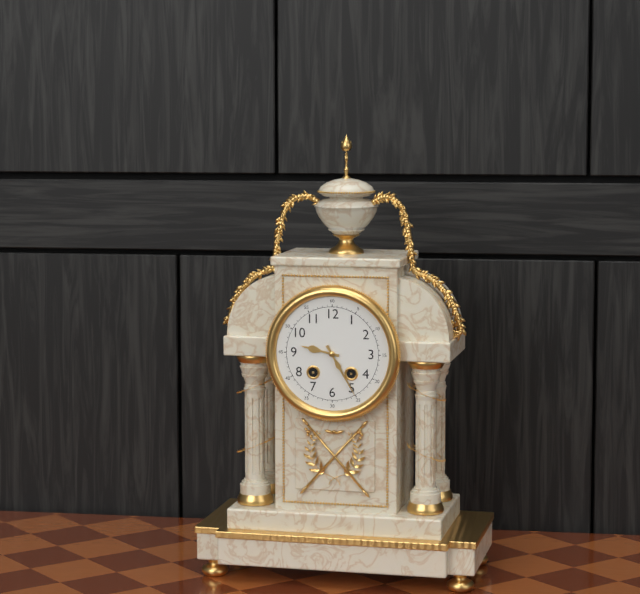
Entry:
9:25
